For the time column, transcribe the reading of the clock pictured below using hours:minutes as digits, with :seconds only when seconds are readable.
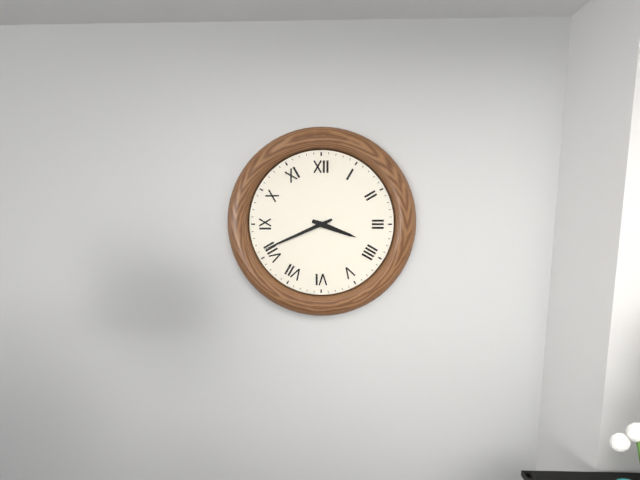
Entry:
3:41
